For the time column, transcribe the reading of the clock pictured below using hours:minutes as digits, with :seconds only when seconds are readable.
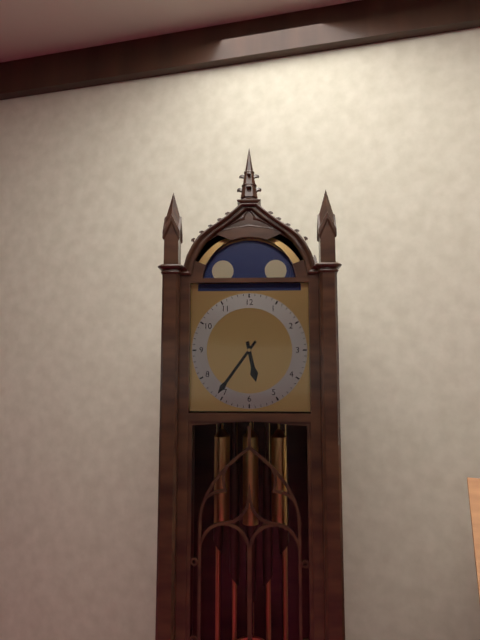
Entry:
5:36
